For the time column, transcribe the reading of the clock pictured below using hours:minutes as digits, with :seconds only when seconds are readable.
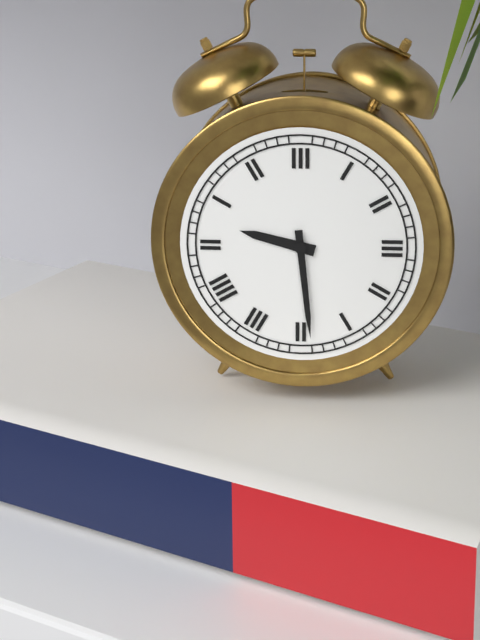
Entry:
9:29
